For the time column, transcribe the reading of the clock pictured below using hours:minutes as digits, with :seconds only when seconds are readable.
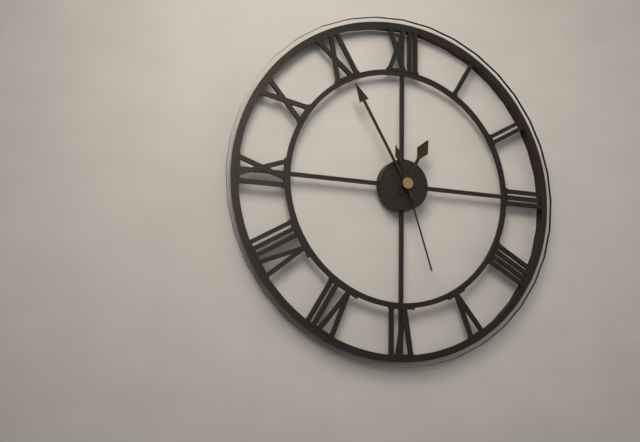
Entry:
12:55:27
